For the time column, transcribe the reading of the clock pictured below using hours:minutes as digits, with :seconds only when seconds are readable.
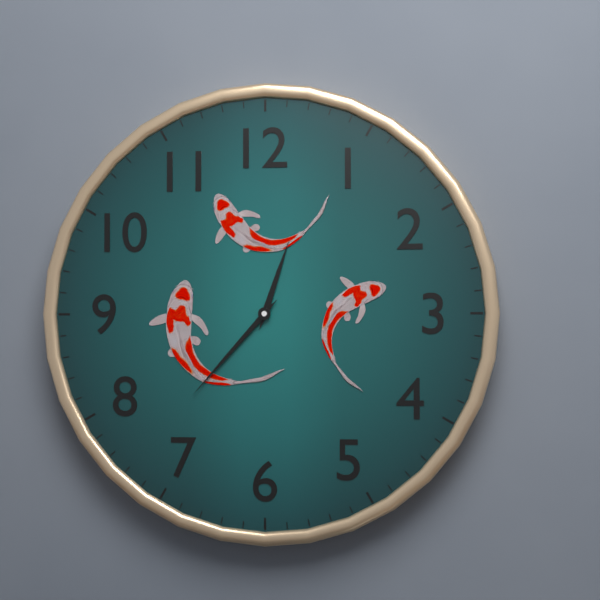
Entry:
12:37
